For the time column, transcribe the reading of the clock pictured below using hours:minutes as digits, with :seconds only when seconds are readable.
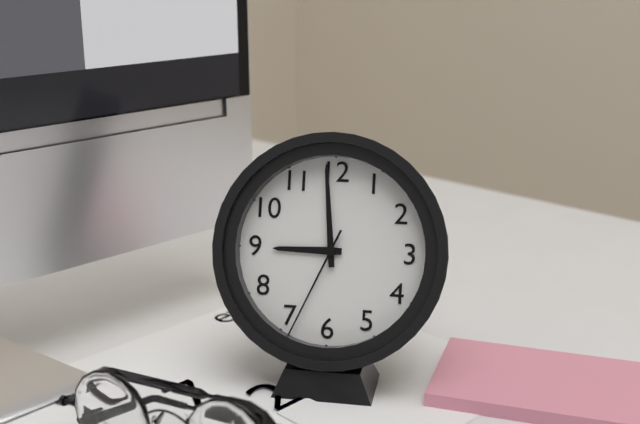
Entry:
8:59:34
